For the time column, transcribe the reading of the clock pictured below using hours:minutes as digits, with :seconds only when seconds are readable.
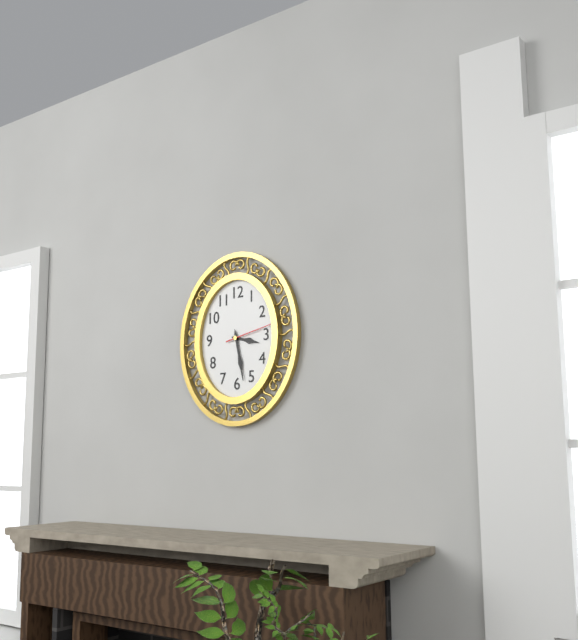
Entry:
3:28
